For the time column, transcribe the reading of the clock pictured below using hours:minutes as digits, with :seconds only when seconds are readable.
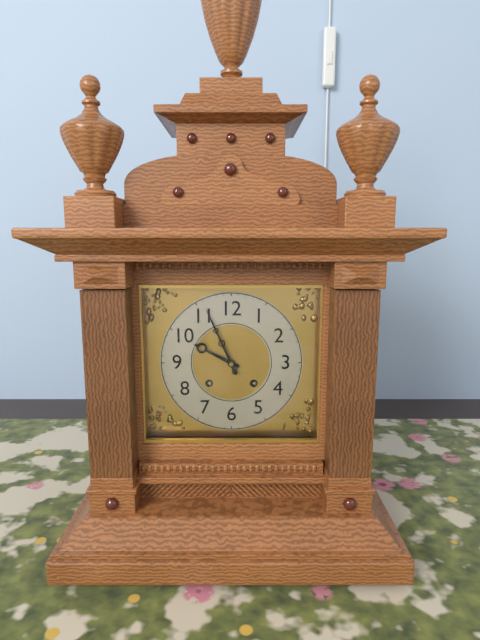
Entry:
9:56
